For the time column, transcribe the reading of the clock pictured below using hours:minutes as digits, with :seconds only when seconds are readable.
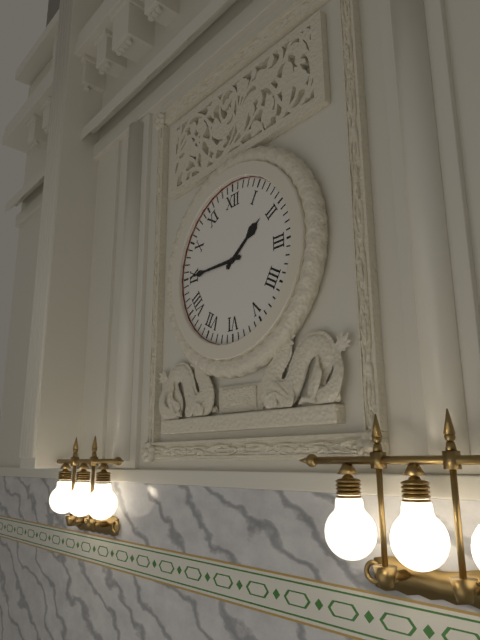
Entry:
1:45
